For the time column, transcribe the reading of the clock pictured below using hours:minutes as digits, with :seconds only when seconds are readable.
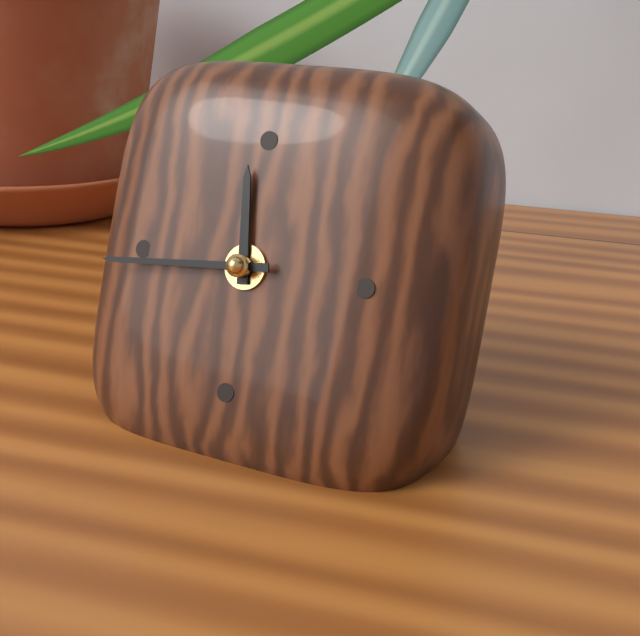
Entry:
11:44
